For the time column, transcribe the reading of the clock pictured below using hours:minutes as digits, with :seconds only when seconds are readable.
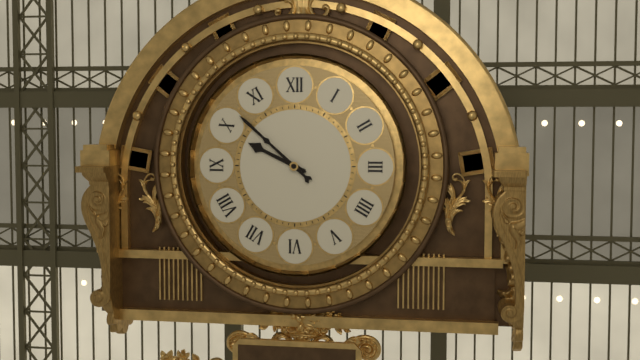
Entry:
9:52
